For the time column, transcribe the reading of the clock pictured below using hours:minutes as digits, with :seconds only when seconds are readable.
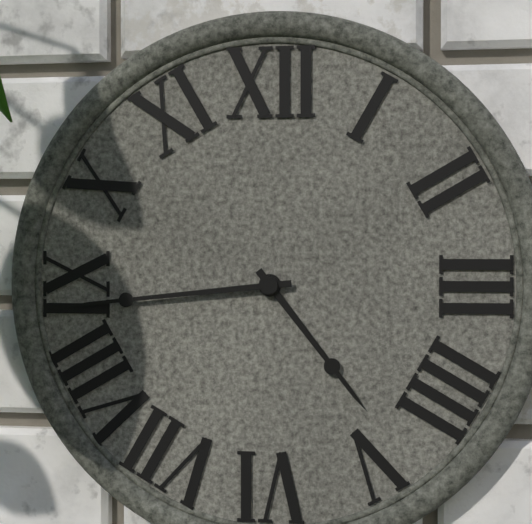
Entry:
4:44
